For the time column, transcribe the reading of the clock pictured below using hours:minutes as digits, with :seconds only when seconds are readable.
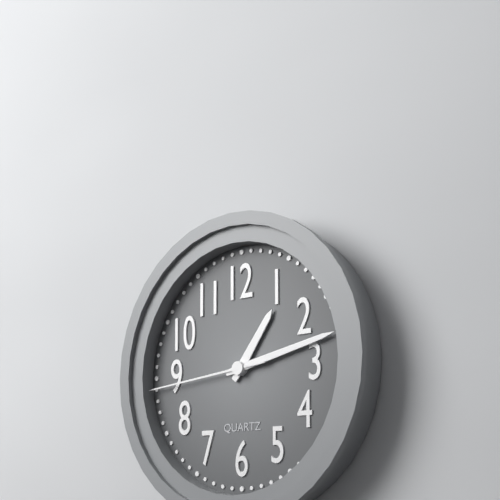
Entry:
1:13:44
